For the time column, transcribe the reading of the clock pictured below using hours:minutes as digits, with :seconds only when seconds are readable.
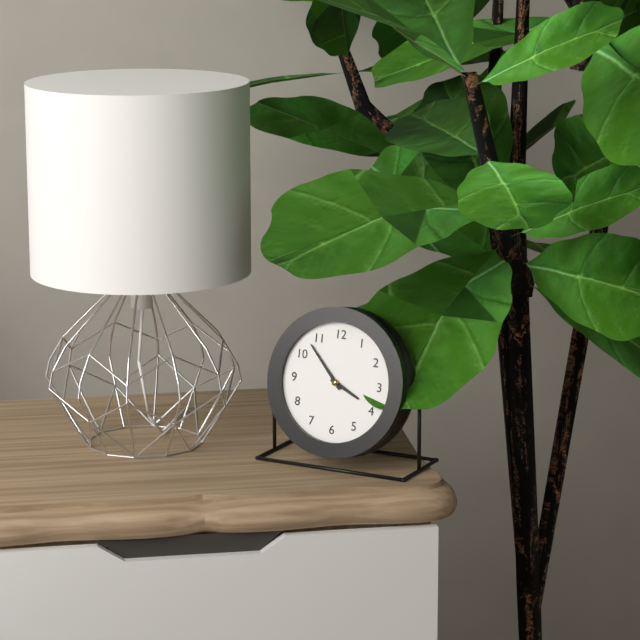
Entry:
3:53
